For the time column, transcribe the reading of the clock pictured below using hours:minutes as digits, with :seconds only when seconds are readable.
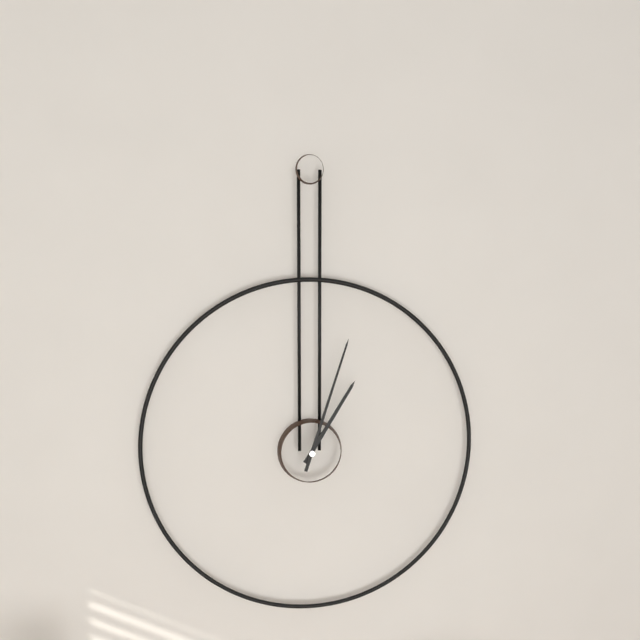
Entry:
1:03
